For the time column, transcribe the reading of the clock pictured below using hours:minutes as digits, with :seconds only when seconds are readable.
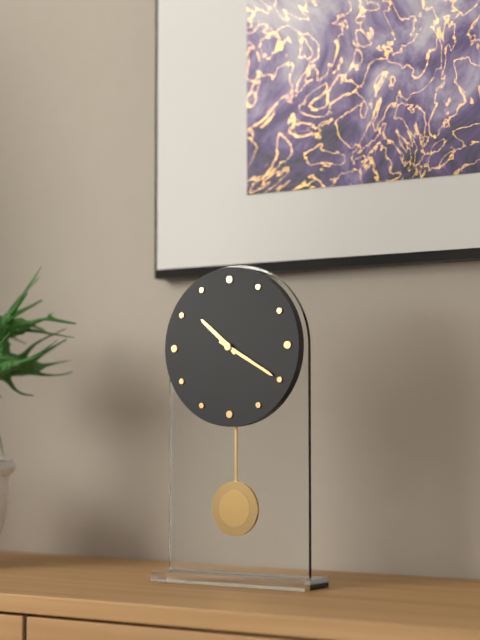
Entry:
10:20
